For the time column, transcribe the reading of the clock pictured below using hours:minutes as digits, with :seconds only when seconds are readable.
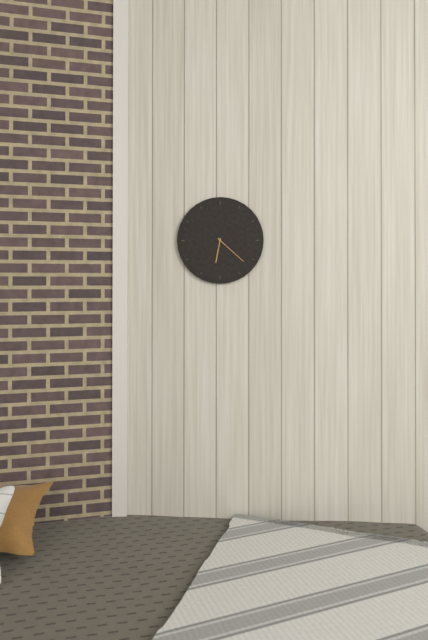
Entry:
6:22
